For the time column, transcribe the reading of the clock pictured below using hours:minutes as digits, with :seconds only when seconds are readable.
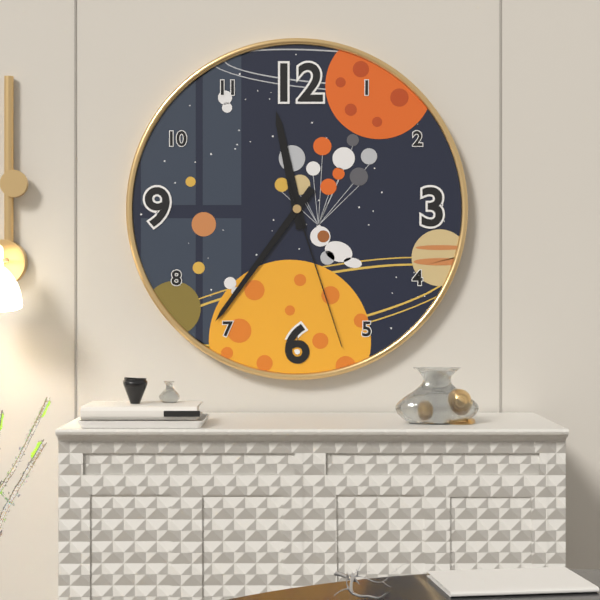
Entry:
11:36:27
